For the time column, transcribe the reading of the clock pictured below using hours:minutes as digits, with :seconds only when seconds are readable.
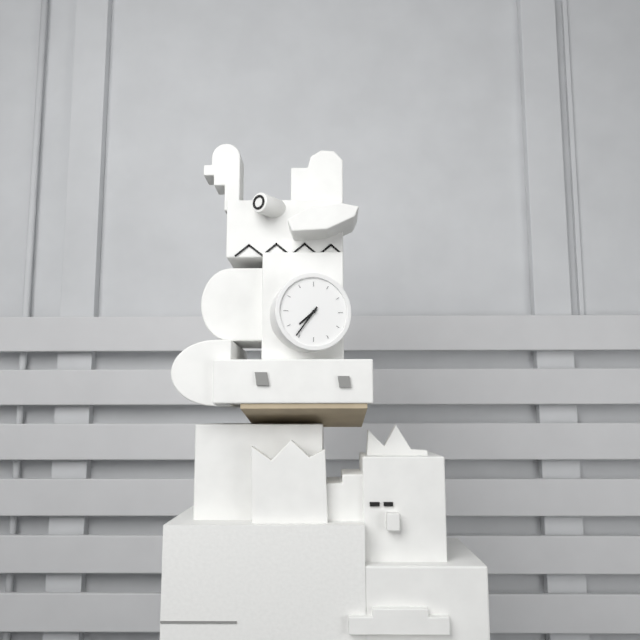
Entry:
7:36
